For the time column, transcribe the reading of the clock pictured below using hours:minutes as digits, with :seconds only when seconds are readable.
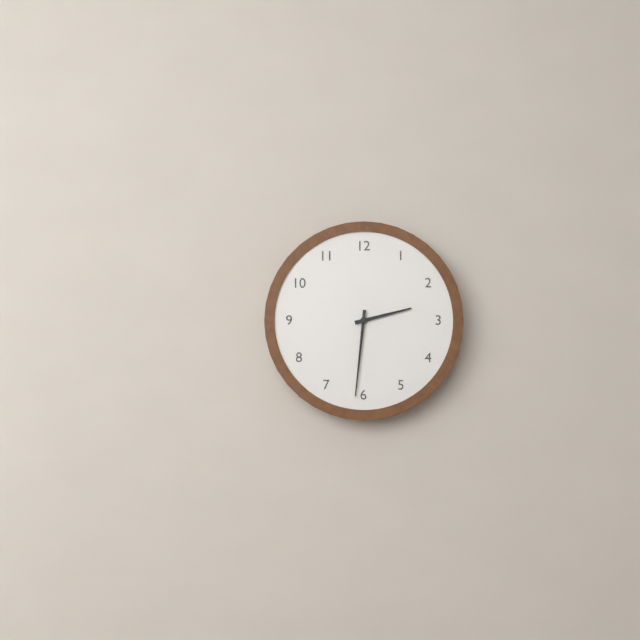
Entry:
2:31
